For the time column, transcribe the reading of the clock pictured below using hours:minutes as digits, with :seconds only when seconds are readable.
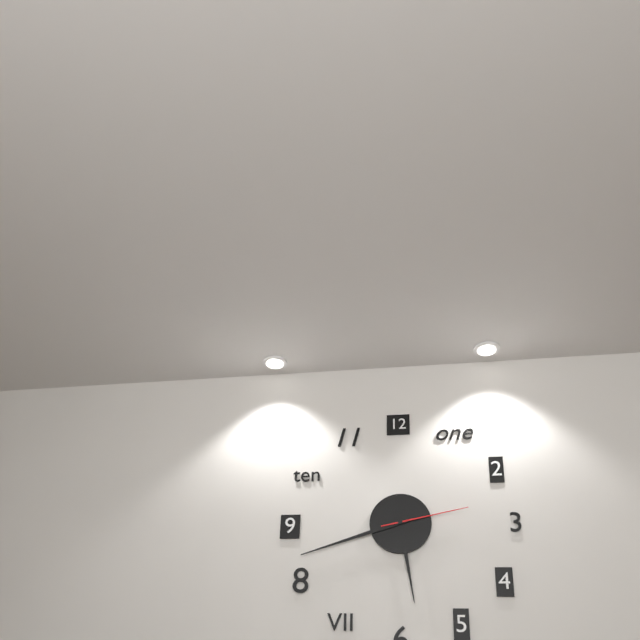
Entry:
5:42:13
